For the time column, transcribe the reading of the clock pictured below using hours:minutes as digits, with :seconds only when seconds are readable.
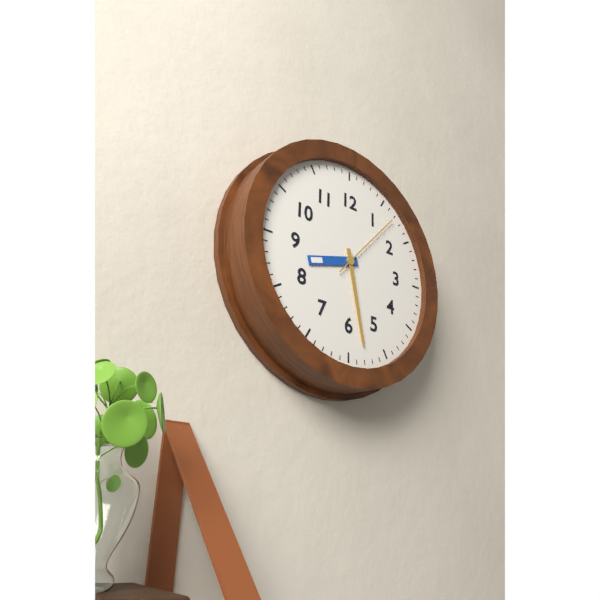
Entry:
8:28:07
